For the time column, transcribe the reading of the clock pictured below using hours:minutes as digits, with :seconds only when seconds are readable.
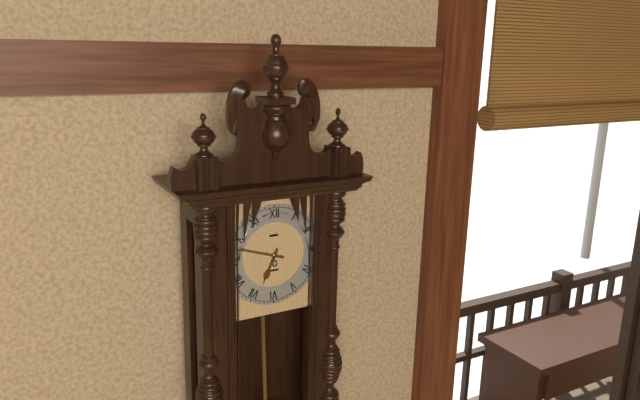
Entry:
6:48
